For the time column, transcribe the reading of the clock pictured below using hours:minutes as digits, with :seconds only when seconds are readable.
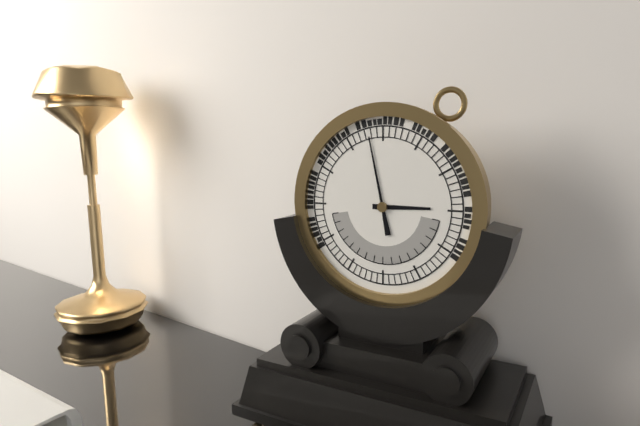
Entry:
2:58
